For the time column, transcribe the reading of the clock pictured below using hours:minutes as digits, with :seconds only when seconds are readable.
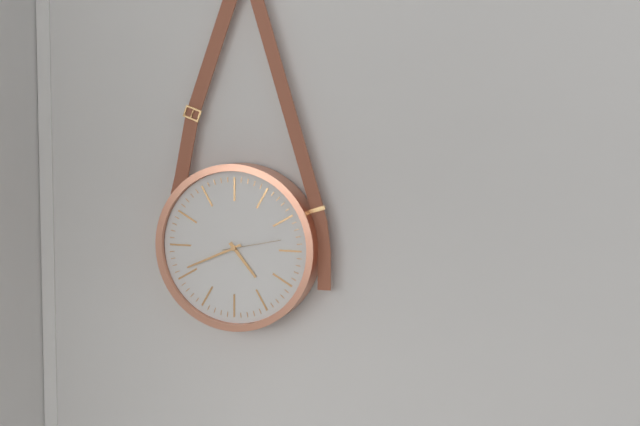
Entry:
4:41
